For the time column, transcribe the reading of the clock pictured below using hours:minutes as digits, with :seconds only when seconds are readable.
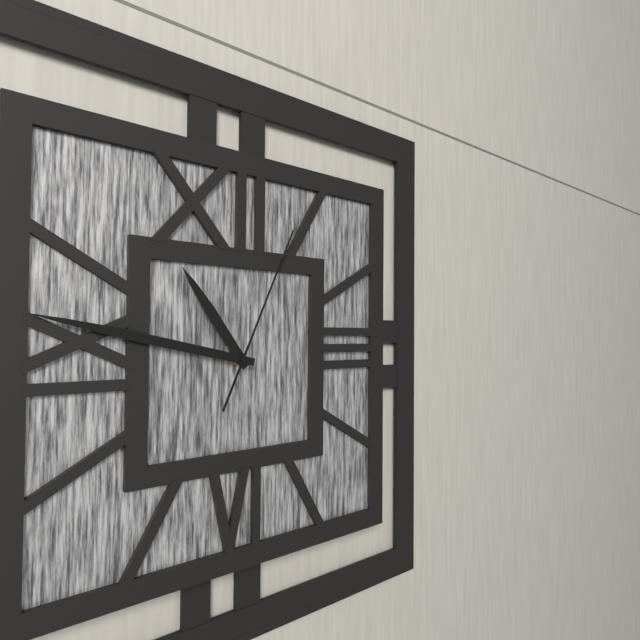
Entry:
10:47:04
